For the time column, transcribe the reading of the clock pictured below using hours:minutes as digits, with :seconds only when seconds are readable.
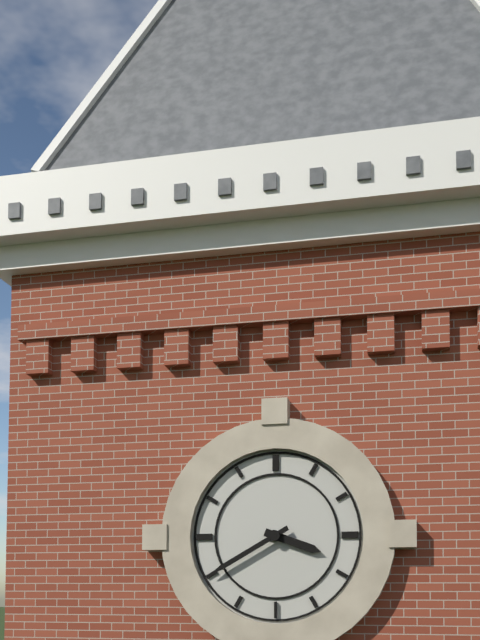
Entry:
3:40
